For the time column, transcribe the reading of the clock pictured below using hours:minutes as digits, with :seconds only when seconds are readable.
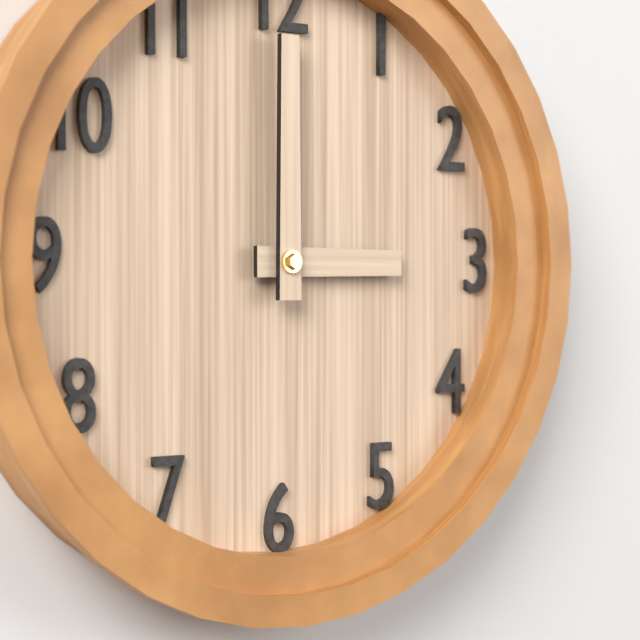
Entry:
3:00
